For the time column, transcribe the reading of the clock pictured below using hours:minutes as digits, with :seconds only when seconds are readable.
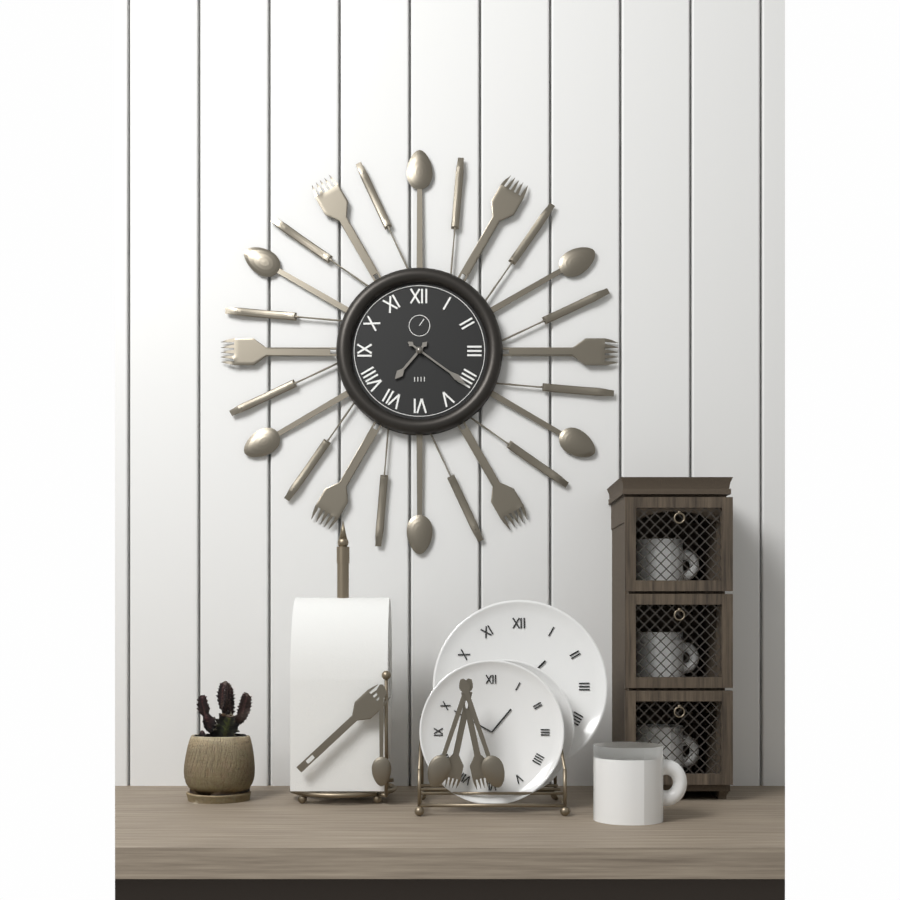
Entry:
7:21
